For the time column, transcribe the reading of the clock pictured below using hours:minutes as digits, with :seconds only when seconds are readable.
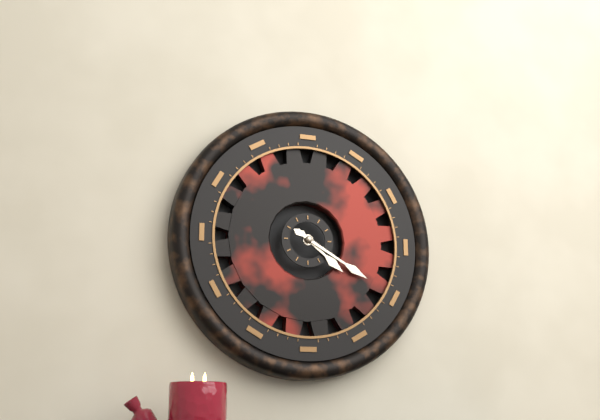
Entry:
4:20
